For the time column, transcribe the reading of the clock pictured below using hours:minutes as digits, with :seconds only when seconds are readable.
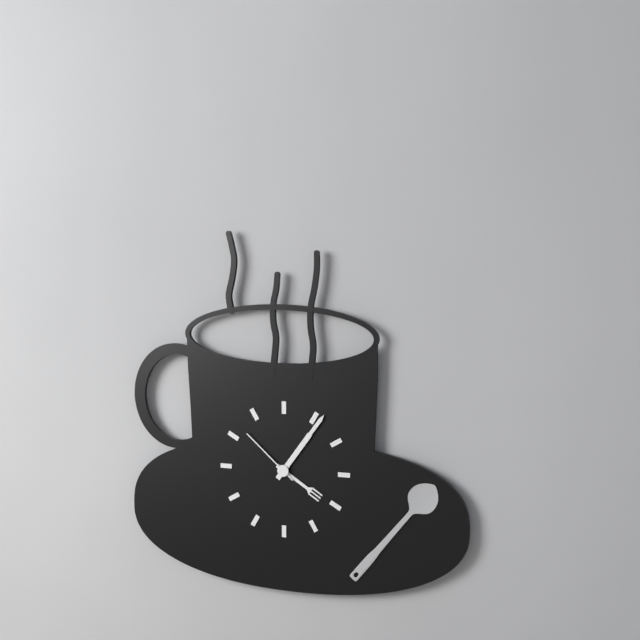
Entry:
4:06:52
